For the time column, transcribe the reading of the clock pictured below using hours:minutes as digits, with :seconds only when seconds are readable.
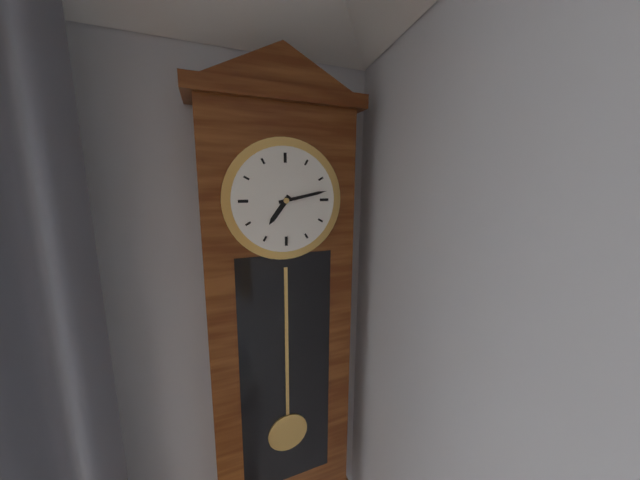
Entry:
7:13
